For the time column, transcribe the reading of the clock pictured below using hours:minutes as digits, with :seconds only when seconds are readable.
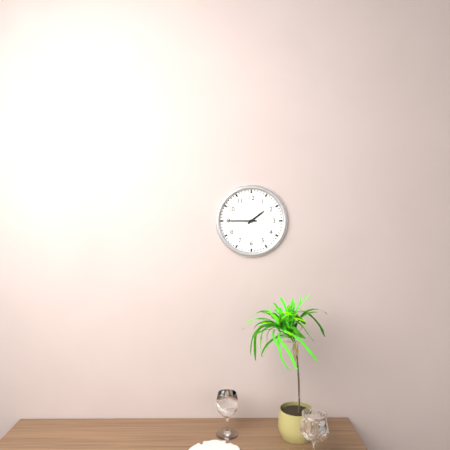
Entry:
1:45
